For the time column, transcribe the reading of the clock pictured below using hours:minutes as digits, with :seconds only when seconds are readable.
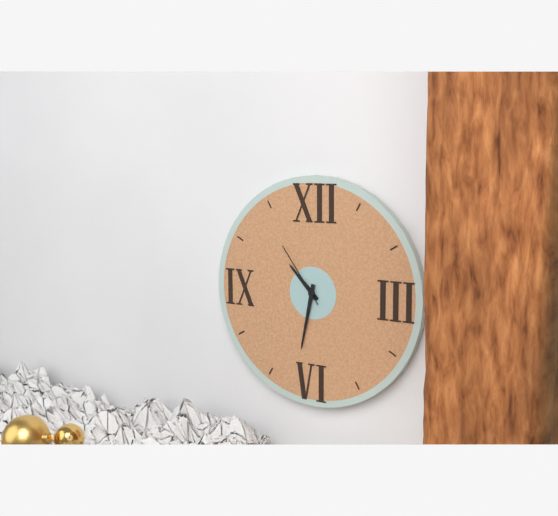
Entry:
10:32:54
